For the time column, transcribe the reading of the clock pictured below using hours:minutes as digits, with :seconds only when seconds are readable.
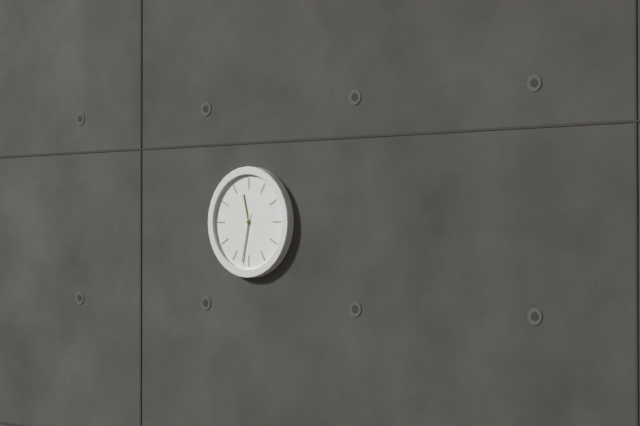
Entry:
11:32:32
